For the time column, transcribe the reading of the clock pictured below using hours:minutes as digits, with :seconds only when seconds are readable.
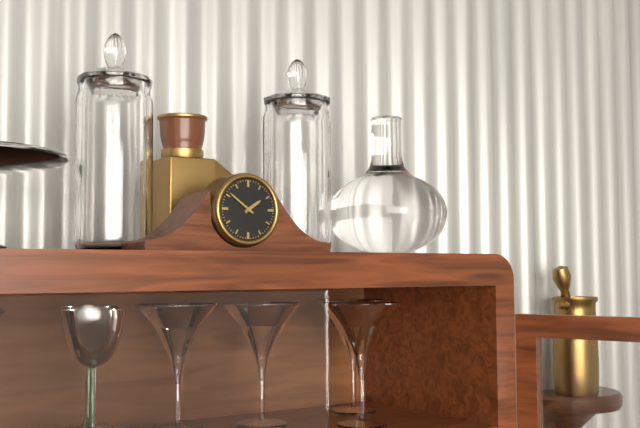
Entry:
1:51
